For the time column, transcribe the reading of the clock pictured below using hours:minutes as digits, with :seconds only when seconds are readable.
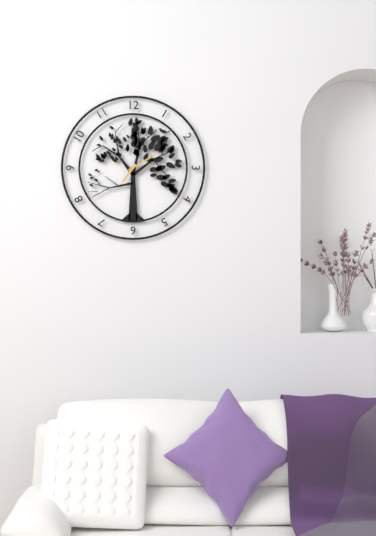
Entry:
7:10
